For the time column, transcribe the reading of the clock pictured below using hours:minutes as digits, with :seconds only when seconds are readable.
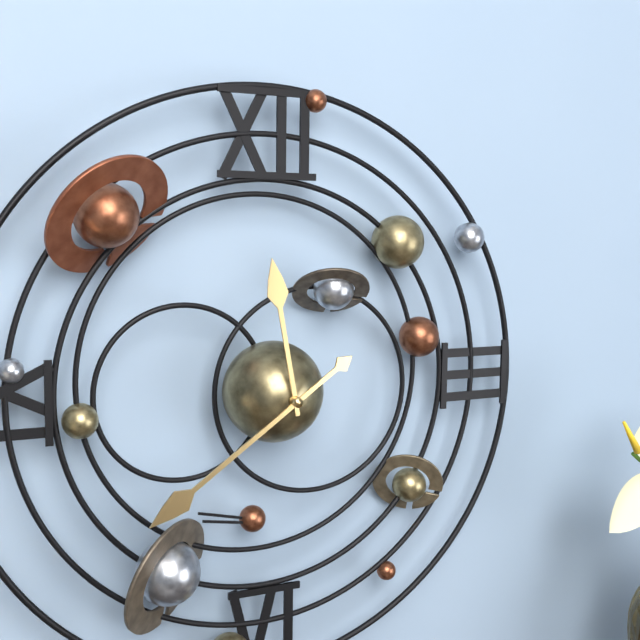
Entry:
11:39
